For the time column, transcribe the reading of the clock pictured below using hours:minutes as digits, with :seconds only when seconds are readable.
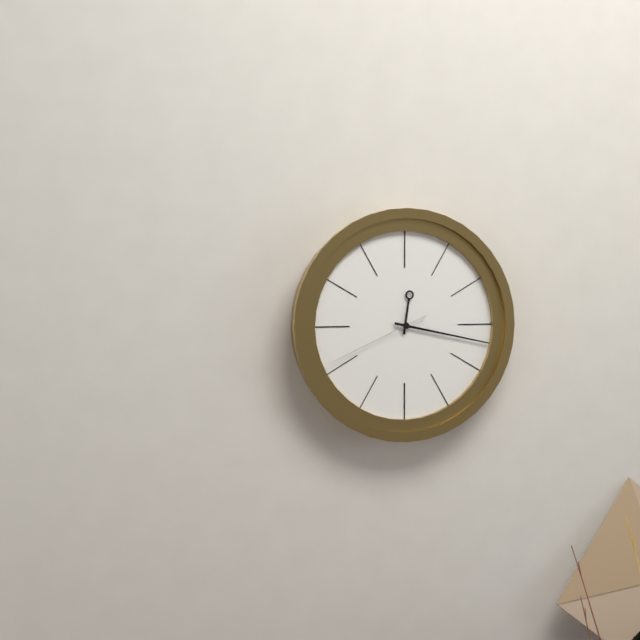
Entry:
12:17:41
